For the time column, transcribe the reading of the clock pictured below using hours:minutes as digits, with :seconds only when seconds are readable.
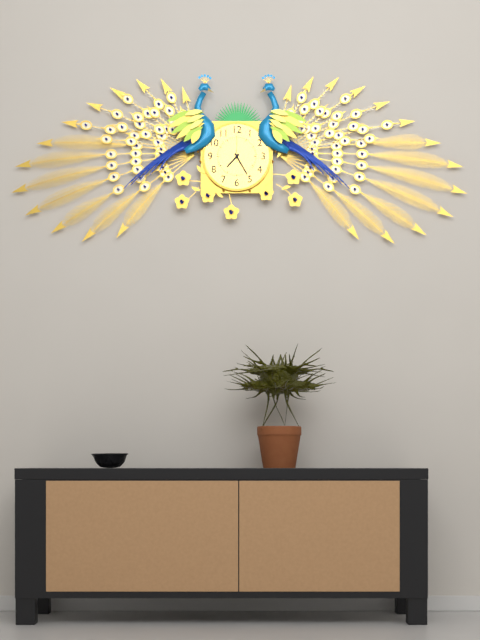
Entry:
7:25
